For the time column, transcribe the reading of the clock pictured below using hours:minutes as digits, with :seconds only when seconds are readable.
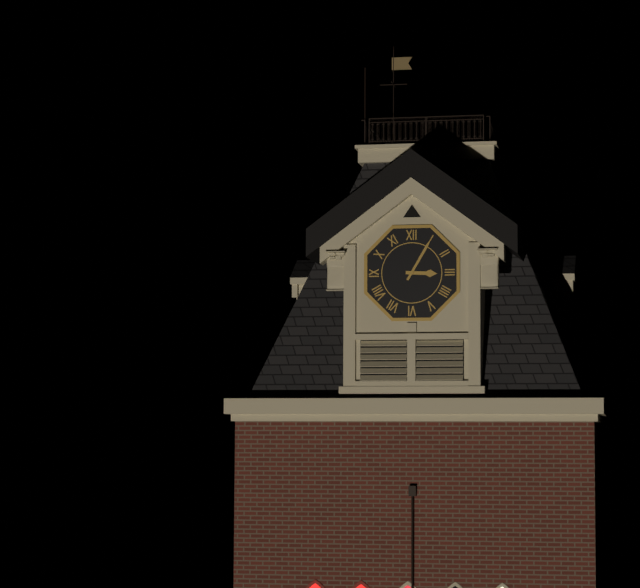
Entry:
3:05
